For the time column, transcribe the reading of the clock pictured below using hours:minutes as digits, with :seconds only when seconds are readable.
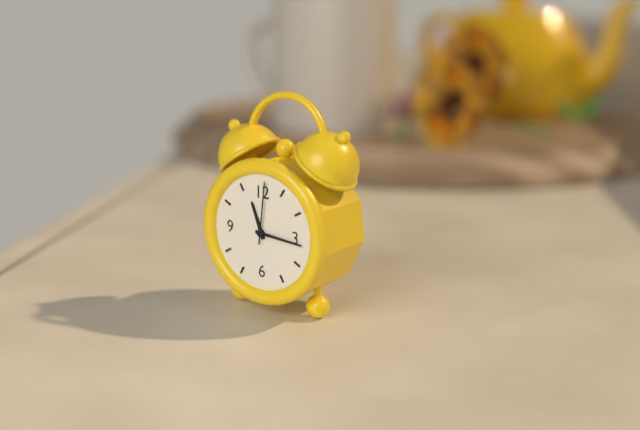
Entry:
11:16:01
